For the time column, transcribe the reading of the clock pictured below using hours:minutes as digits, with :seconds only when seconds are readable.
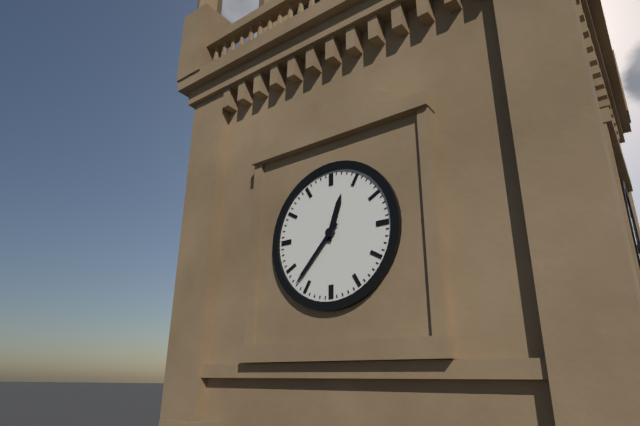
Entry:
12:37
